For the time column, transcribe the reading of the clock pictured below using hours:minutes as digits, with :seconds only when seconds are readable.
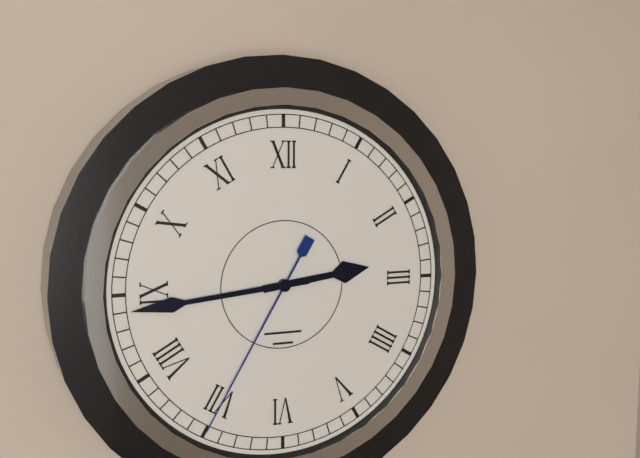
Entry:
2:44:35
